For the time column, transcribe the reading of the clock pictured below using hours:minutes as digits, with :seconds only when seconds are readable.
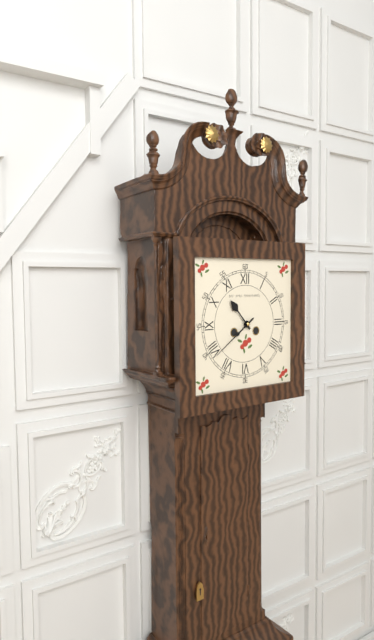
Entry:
10:39
